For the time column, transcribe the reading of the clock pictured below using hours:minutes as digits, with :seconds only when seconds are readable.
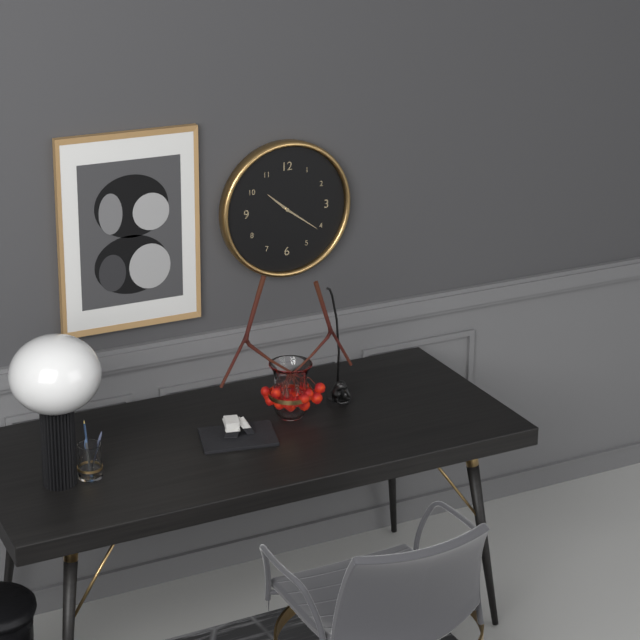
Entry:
10:21
